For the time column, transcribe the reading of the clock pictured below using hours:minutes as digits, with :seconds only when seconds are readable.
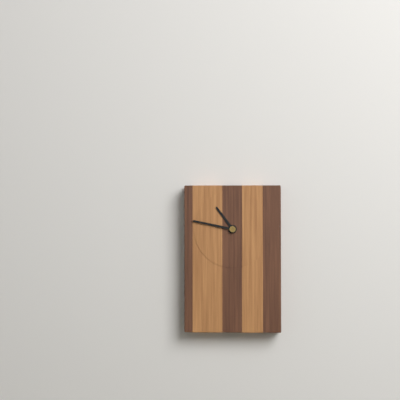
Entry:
10:47
